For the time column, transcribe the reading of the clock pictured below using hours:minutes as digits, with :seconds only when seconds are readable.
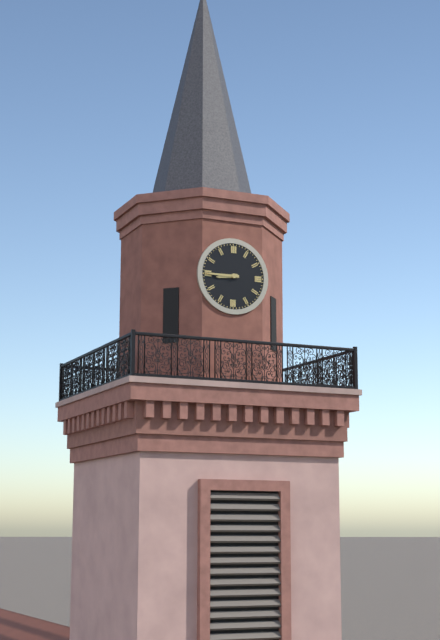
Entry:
8:45
